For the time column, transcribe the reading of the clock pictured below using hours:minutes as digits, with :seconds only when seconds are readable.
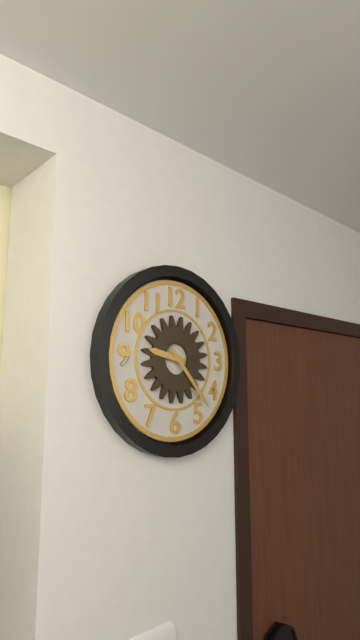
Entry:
9:23
